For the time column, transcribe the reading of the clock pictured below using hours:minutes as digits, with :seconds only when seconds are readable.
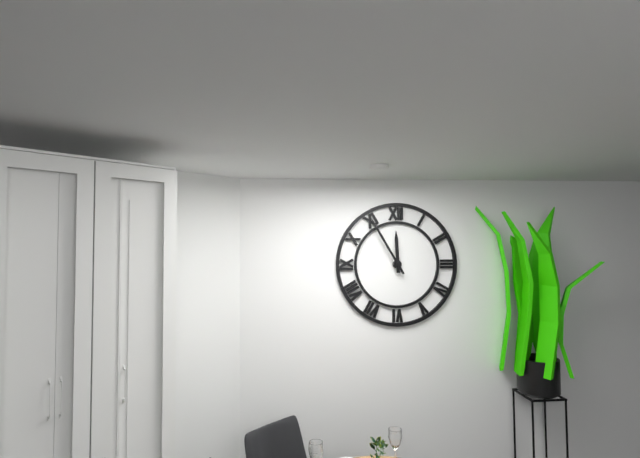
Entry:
11:55
